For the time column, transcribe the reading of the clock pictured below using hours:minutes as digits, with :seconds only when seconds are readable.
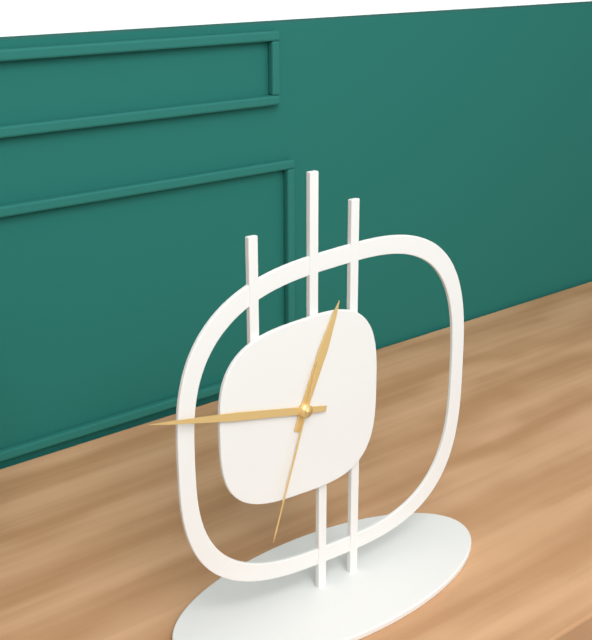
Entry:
12:47:33
